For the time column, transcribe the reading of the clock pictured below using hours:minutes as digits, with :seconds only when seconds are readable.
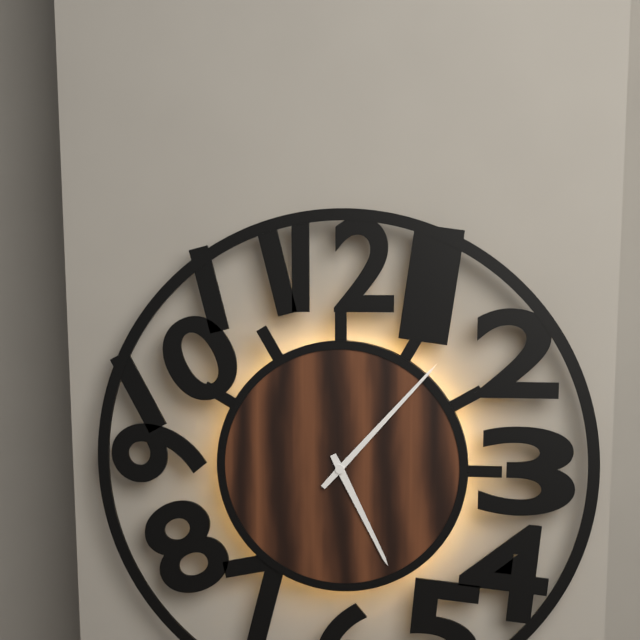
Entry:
5:07
